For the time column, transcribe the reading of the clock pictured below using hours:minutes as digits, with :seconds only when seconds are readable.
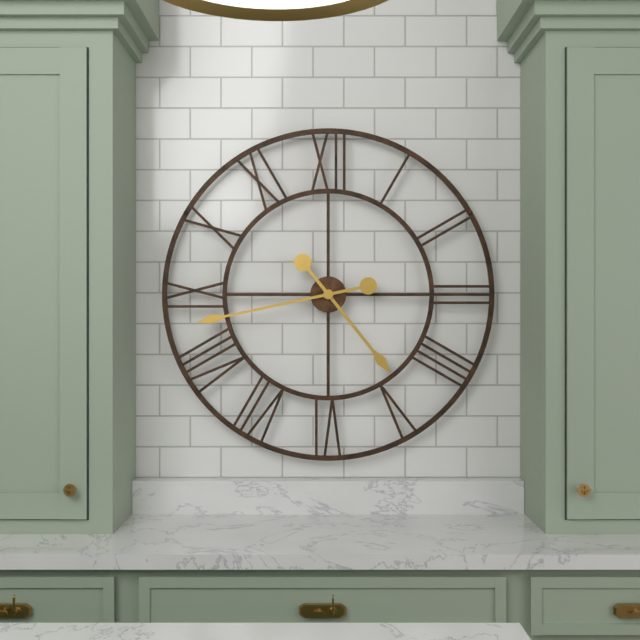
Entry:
4:43
